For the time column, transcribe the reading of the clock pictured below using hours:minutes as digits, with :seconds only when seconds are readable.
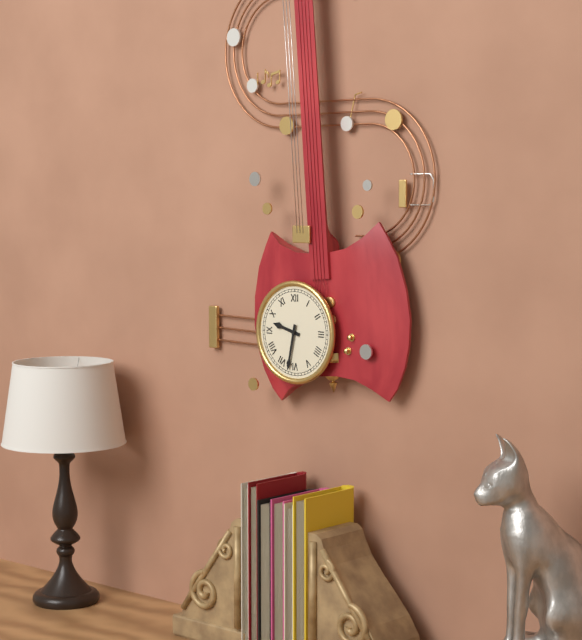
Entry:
9:32
